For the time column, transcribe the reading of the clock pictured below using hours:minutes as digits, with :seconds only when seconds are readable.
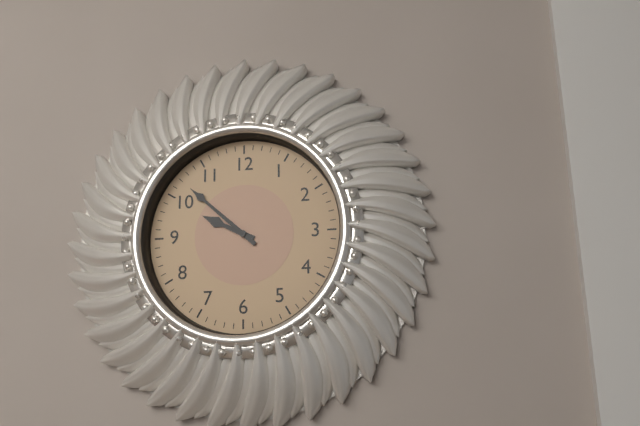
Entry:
9:52
